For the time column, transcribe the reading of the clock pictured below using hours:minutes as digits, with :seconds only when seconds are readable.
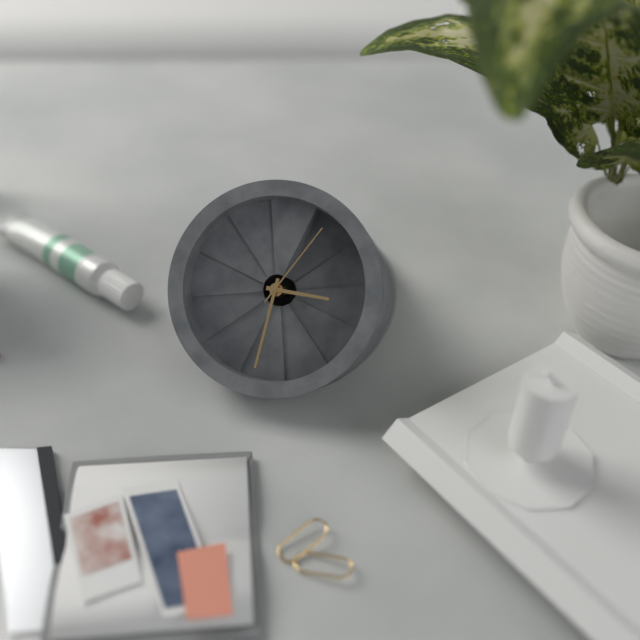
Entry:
2:28:02
